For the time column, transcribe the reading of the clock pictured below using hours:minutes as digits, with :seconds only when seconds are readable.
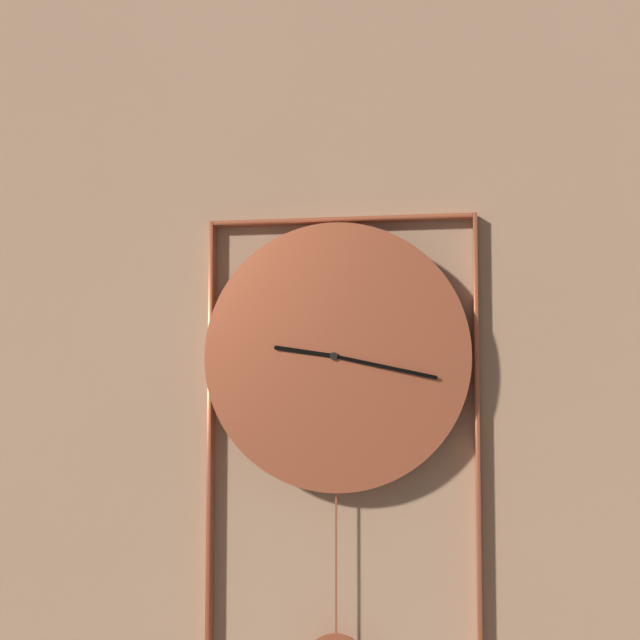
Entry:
9:17
